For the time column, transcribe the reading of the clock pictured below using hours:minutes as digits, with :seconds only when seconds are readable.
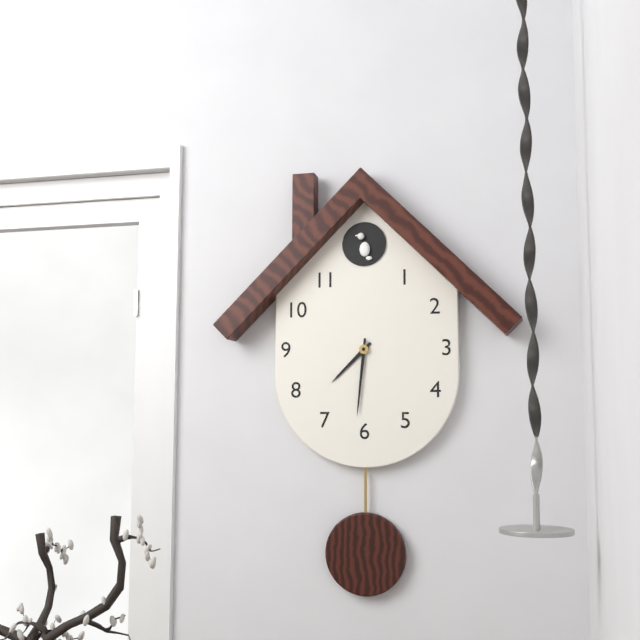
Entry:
7:31
